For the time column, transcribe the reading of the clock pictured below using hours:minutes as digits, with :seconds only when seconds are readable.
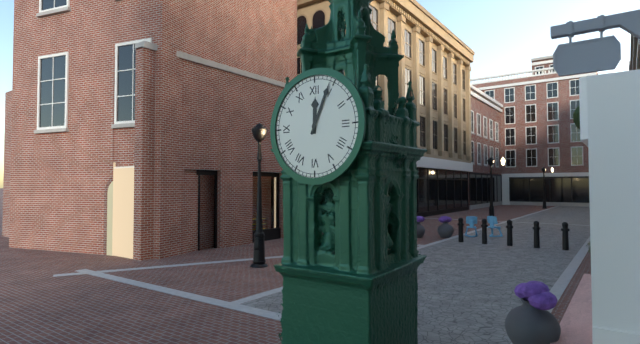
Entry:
12:04
